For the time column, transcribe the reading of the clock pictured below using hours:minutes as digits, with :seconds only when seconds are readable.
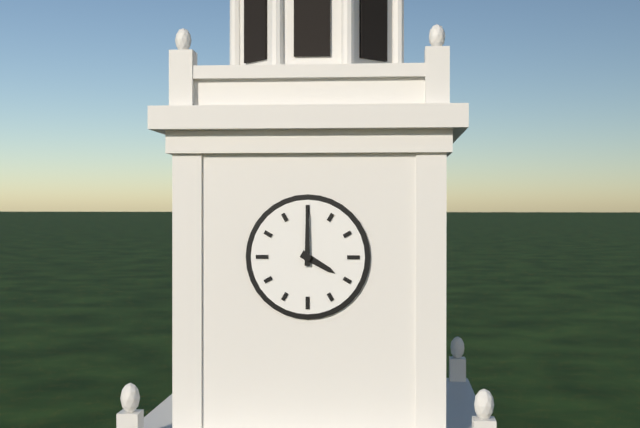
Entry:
4:00
